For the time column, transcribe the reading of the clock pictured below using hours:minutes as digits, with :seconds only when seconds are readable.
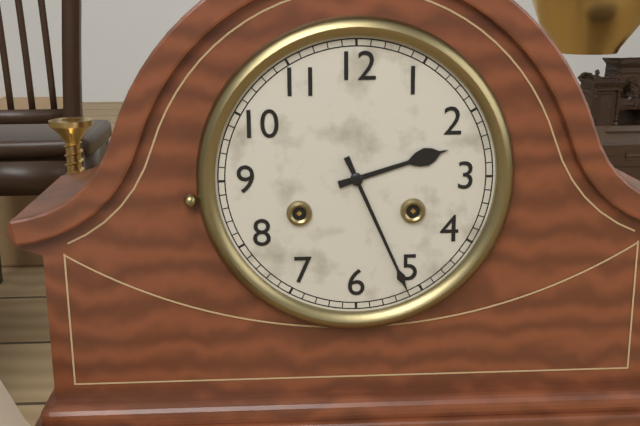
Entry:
2:26
